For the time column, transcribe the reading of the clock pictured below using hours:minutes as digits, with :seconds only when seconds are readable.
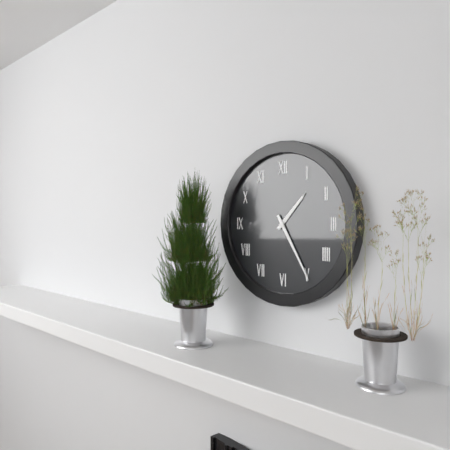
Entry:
1:25
